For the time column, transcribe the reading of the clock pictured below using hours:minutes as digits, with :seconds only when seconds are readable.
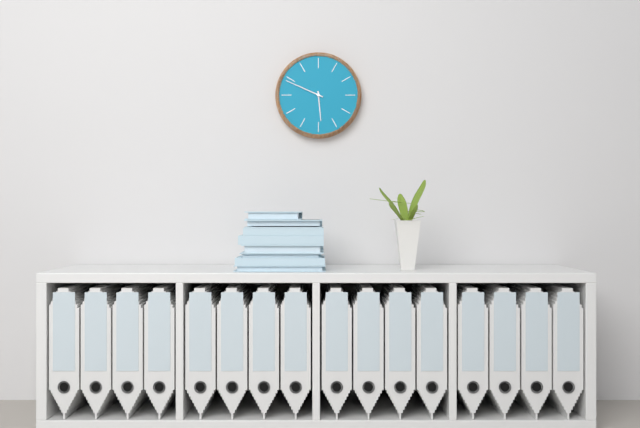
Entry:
5:49
